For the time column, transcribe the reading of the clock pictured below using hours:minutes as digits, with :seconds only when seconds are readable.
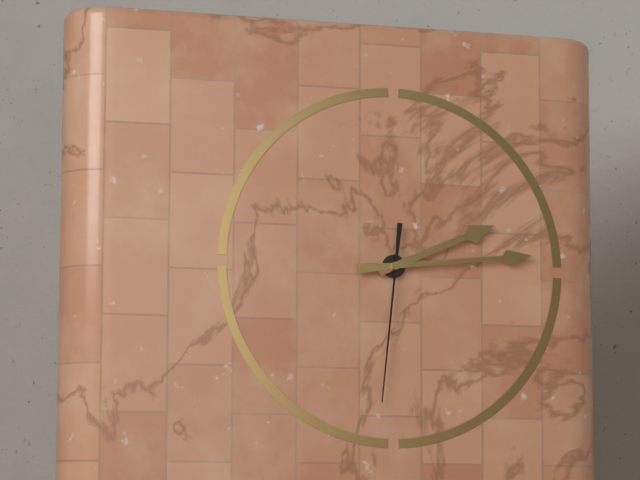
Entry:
2:14:31
